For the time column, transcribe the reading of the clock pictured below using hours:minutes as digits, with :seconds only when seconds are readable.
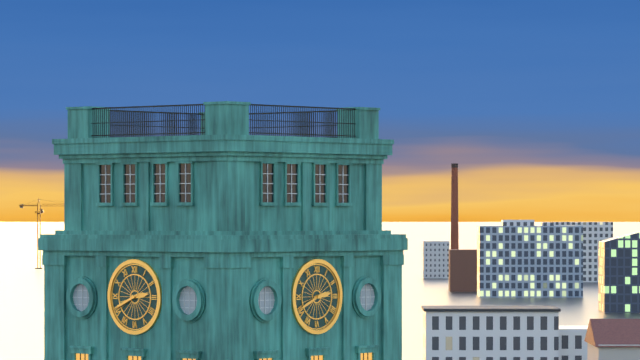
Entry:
2:41
